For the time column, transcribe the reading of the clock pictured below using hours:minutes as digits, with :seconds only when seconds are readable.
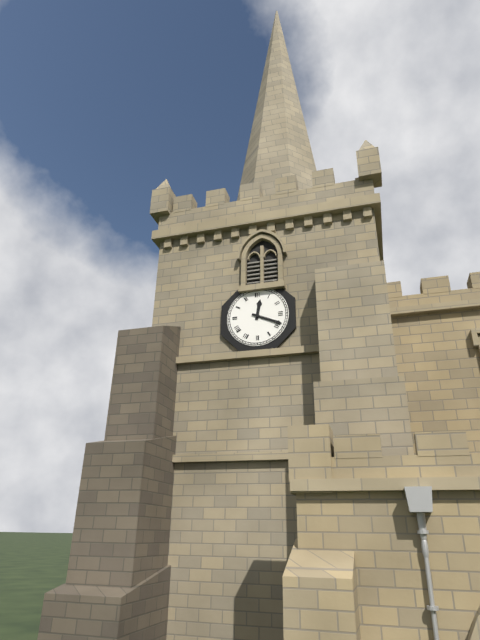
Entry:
12:19
